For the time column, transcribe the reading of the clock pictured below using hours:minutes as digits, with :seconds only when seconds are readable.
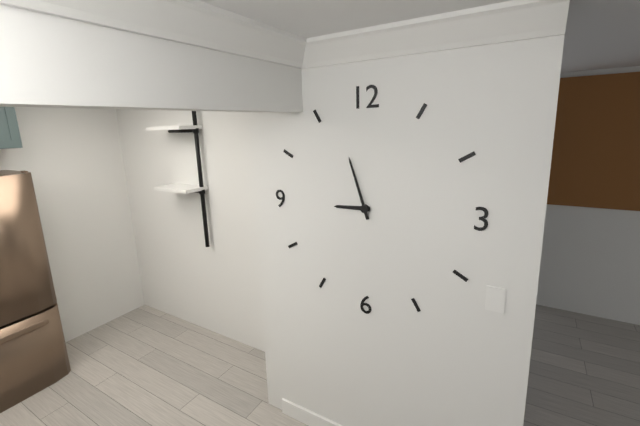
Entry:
8:57
